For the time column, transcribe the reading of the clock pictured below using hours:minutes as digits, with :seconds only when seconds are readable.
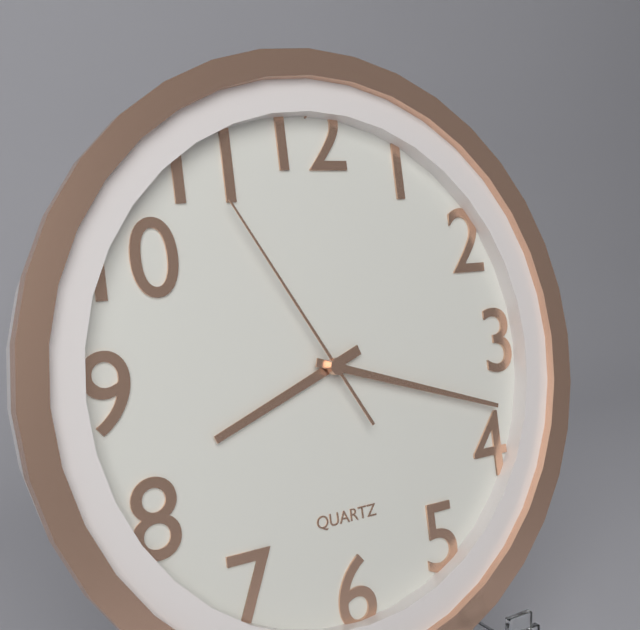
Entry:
8:18:55
